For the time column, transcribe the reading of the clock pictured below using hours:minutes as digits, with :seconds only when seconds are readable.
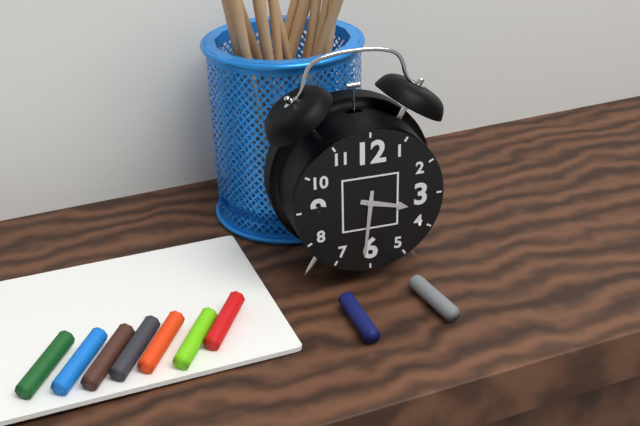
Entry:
3:31
